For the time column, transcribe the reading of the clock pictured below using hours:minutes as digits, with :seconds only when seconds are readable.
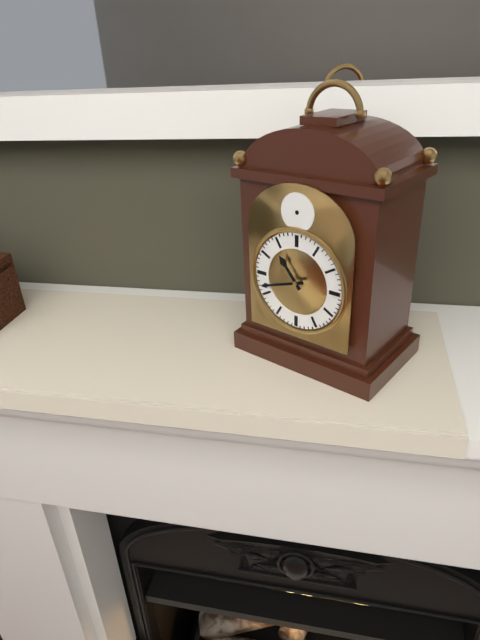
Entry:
10:42
